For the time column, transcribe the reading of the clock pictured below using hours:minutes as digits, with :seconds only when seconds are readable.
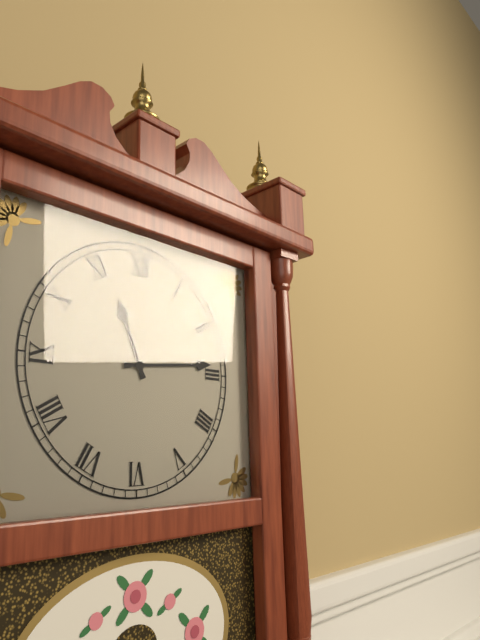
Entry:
11:14
